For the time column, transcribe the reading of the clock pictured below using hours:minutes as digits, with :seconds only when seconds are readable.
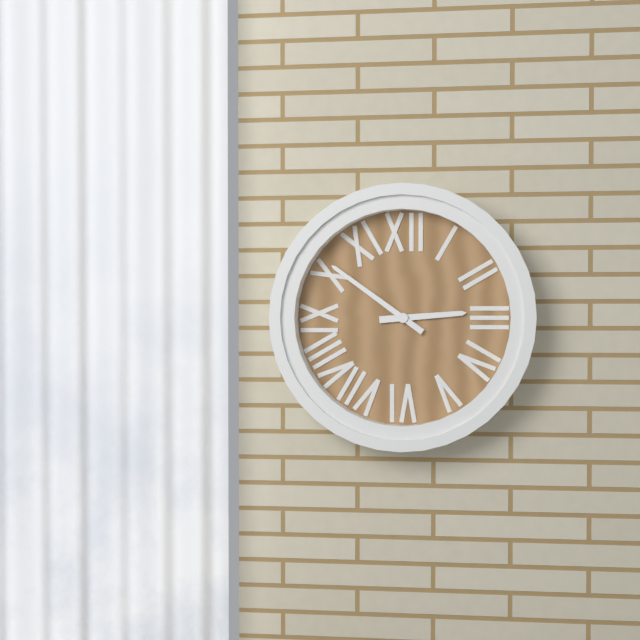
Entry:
2:51
